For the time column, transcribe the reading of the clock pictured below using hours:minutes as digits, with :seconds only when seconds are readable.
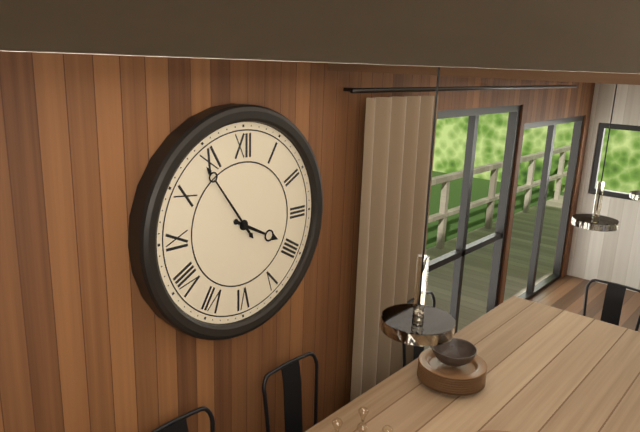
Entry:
3:54
